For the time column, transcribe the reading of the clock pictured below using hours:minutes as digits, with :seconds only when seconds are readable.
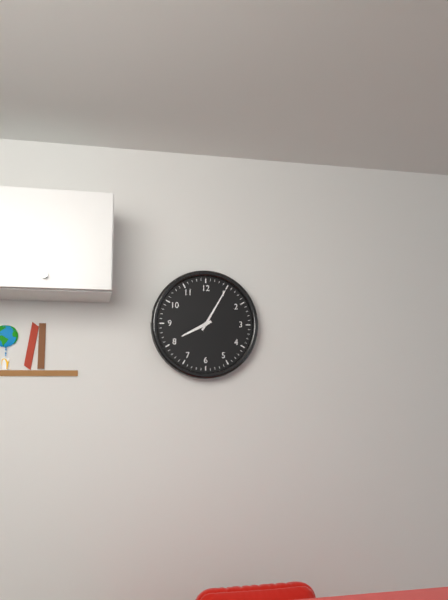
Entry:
8:05
